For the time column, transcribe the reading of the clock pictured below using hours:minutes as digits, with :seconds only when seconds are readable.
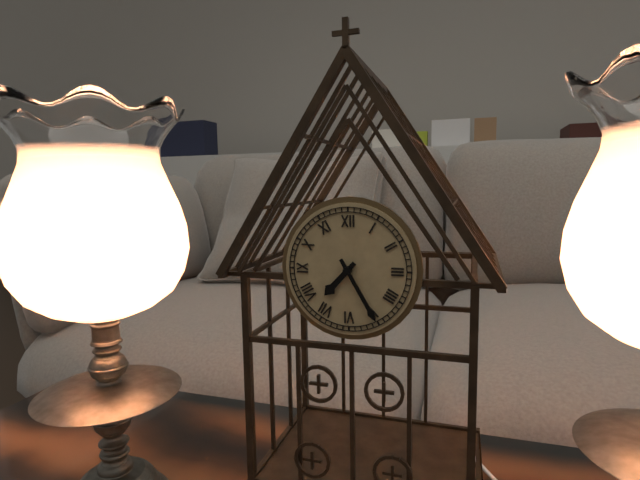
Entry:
7:25
